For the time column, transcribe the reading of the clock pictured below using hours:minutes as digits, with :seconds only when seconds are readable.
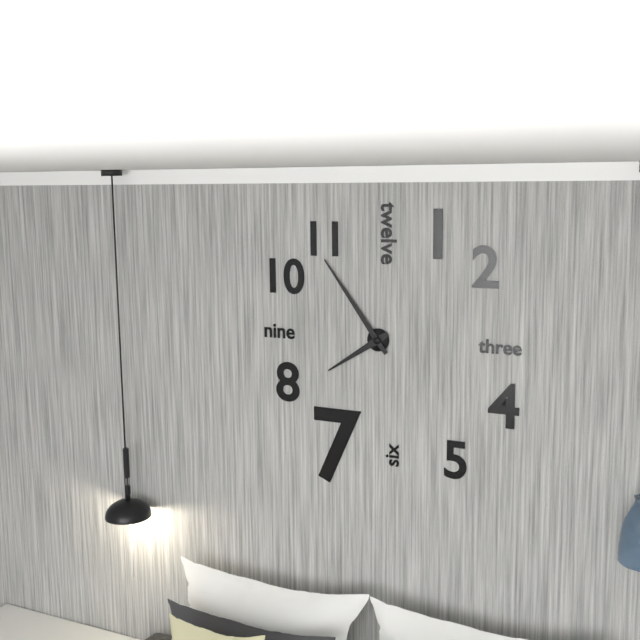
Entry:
7:54
